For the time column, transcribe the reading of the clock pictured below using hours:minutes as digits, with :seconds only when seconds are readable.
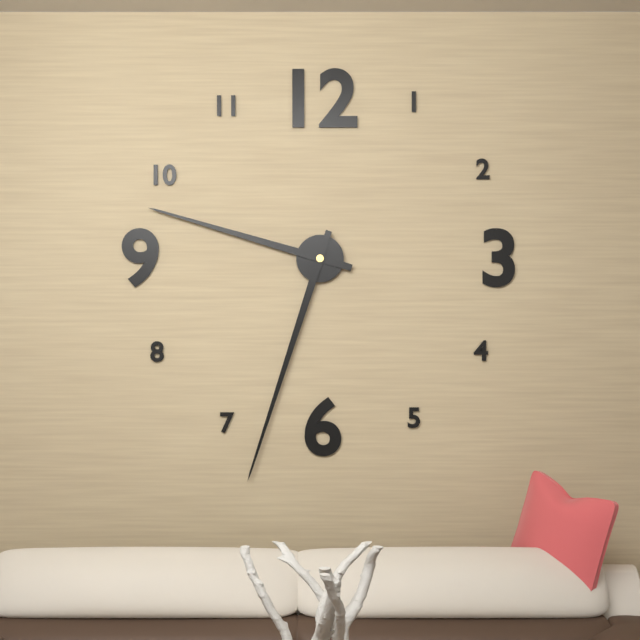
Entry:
9:33
